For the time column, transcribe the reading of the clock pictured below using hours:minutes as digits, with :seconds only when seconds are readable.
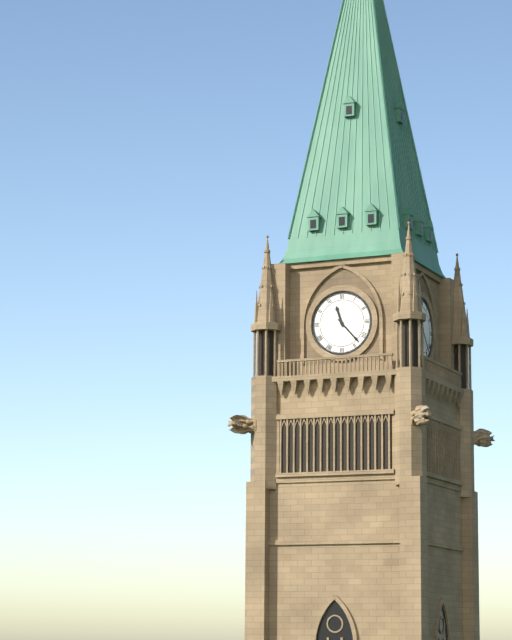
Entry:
11:23
